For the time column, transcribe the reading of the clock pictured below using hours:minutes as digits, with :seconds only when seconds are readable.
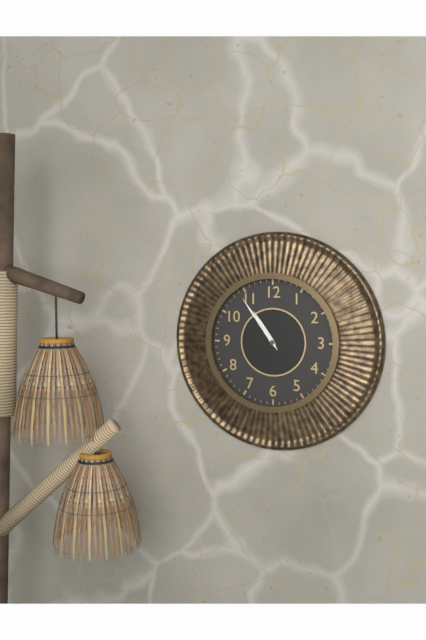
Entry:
10:54
